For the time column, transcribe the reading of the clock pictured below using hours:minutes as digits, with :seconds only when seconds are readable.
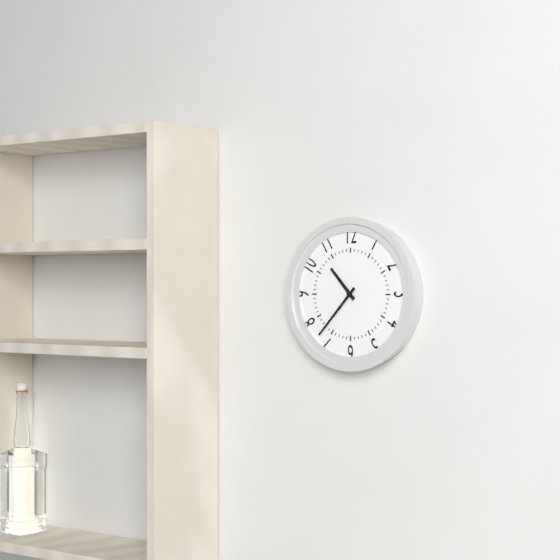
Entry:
10:37
